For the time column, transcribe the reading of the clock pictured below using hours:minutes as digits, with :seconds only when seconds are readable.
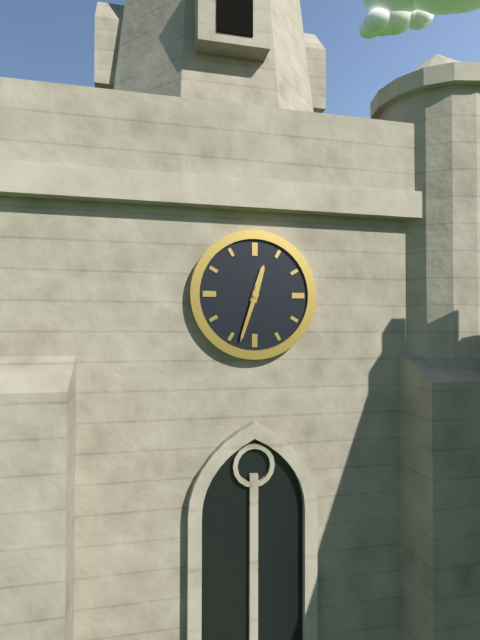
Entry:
12:33
